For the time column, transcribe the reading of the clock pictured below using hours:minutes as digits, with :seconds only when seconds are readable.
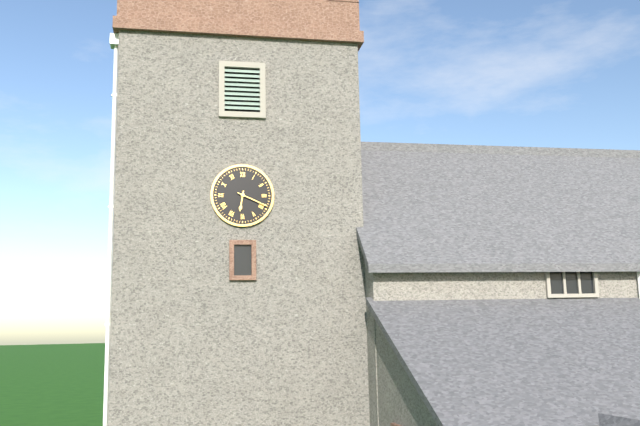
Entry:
6:19
